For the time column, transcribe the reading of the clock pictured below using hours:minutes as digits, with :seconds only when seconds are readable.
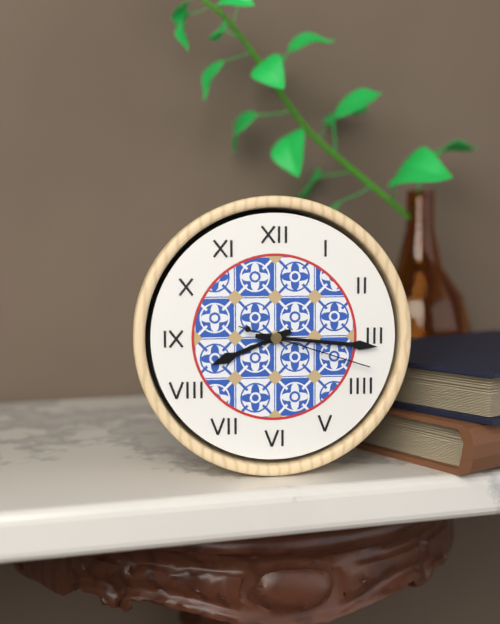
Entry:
8:16:18
